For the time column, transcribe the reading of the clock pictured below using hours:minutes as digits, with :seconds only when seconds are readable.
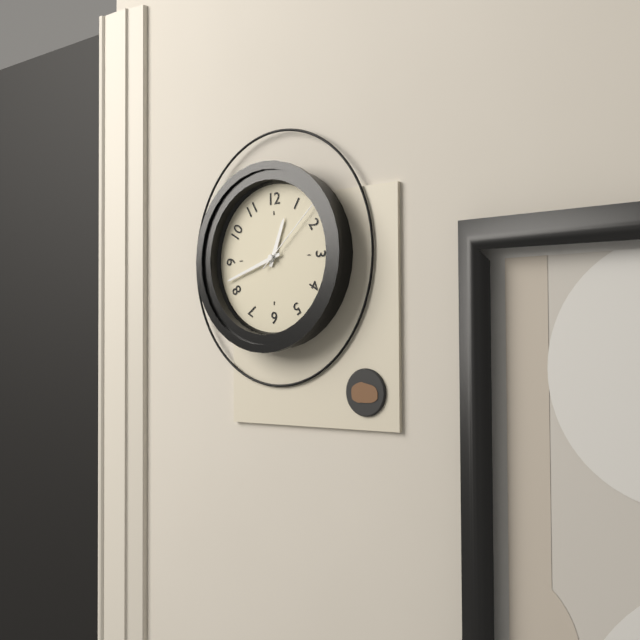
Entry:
12:42:08
